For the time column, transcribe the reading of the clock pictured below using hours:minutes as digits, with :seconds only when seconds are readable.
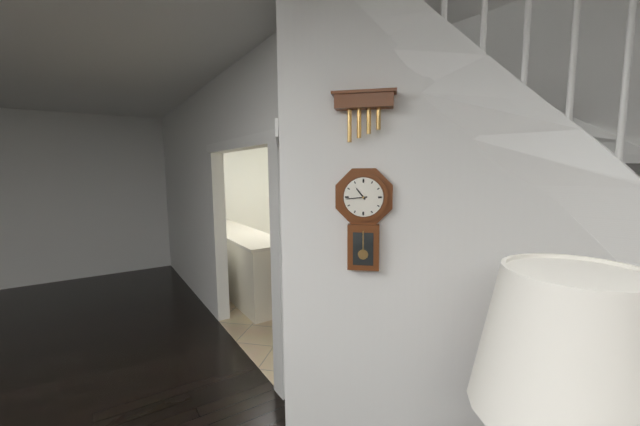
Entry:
10:44
